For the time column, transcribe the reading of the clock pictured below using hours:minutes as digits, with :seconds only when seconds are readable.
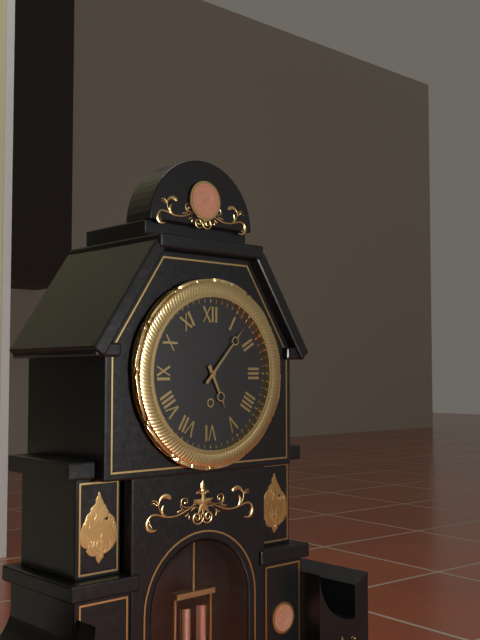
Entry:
5:07
